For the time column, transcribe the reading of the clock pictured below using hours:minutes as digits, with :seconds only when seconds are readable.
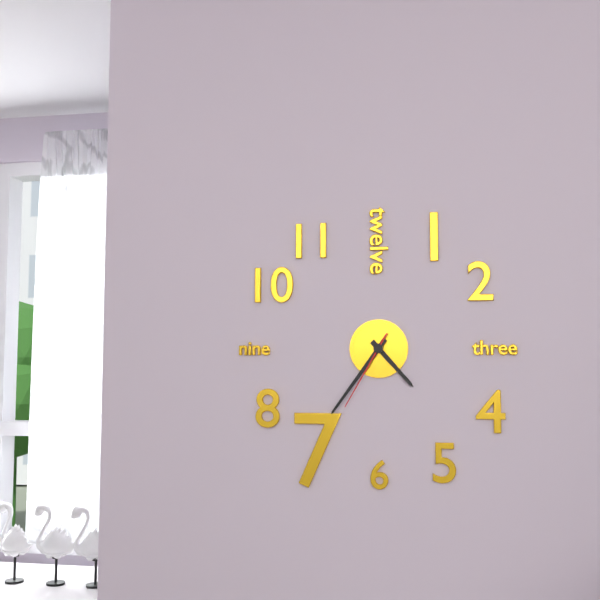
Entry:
4:36:35
